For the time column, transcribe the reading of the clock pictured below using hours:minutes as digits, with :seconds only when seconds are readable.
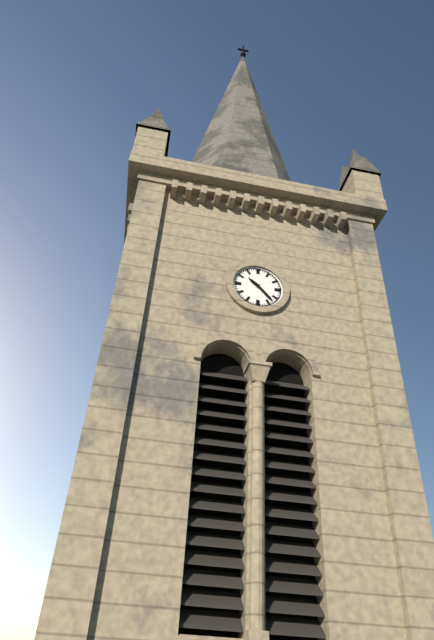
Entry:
10:23
